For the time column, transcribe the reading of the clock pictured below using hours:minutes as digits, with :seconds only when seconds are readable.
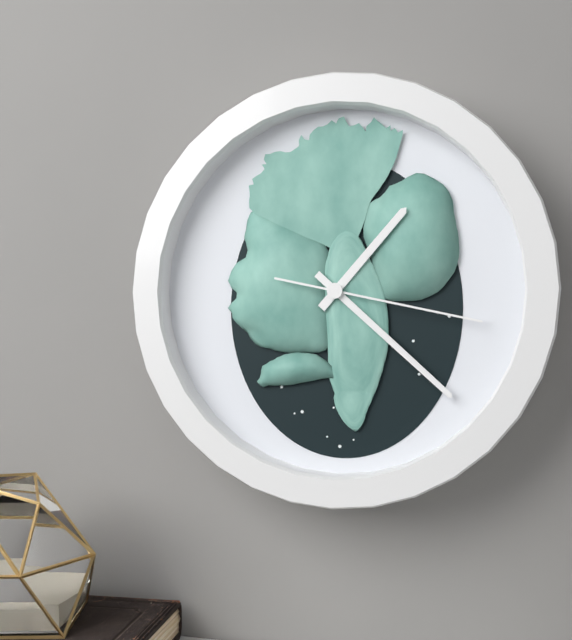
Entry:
1:22:17
